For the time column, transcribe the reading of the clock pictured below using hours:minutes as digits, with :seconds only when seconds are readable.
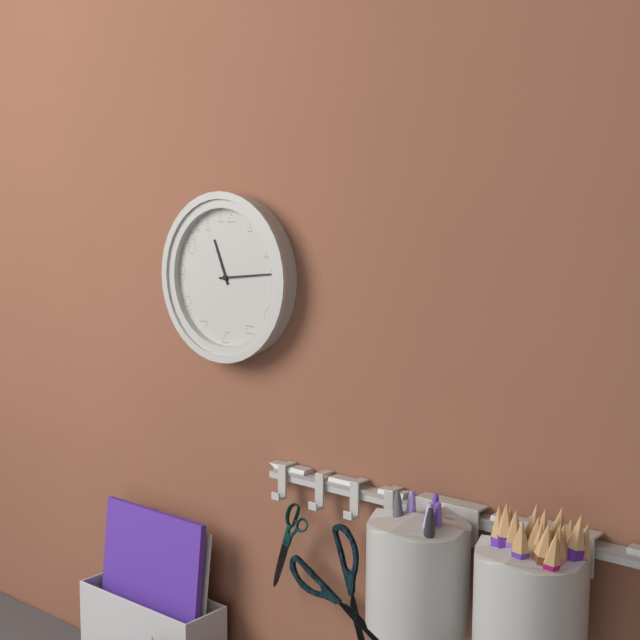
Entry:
11:14
